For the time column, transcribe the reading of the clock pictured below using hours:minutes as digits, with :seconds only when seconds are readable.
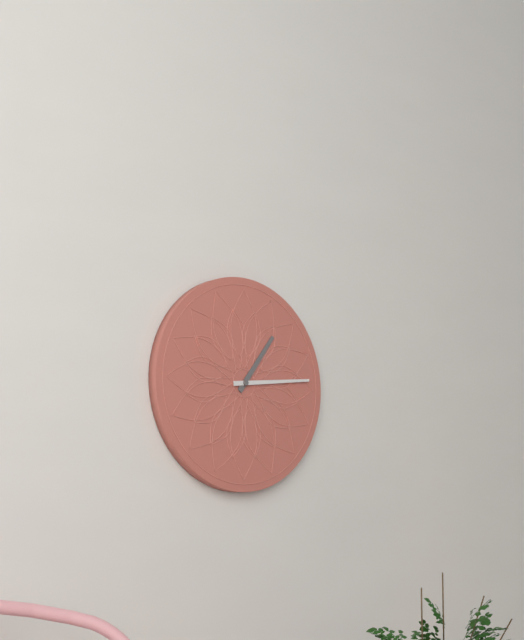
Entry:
1:14
